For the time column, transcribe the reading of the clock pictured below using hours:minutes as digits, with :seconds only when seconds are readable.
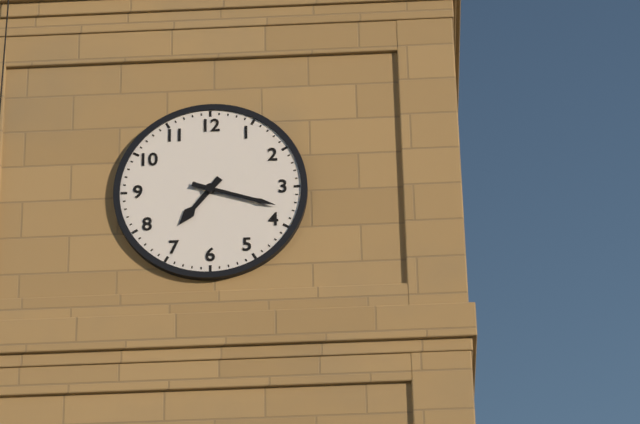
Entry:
7:18
